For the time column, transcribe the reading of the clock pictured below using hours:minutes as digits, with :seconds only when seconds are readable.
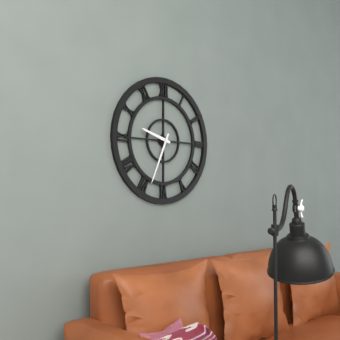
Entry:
9:34
